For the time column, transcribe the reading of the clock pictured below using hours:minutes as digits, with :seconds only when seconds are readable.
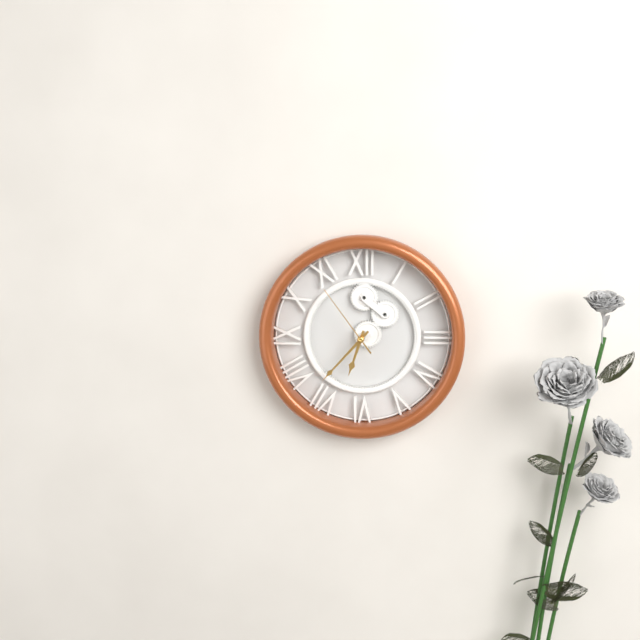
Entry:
6:37:54
